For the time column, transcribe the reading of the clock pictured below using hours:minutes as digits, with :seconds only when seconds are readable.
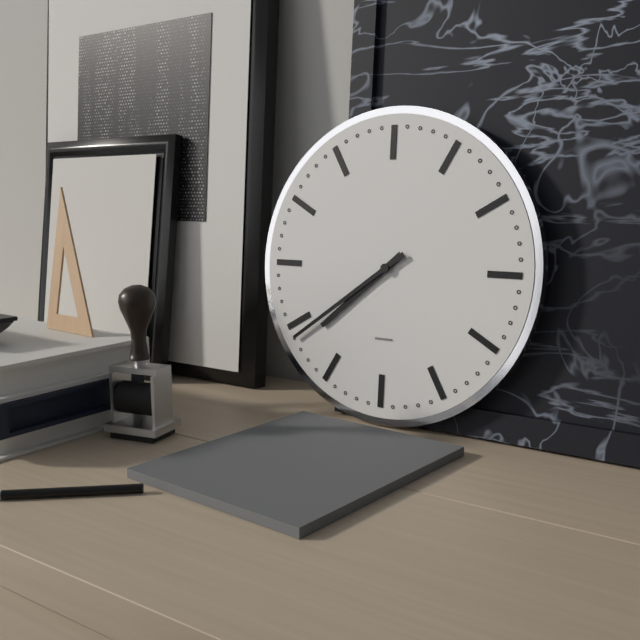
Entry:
7:39
